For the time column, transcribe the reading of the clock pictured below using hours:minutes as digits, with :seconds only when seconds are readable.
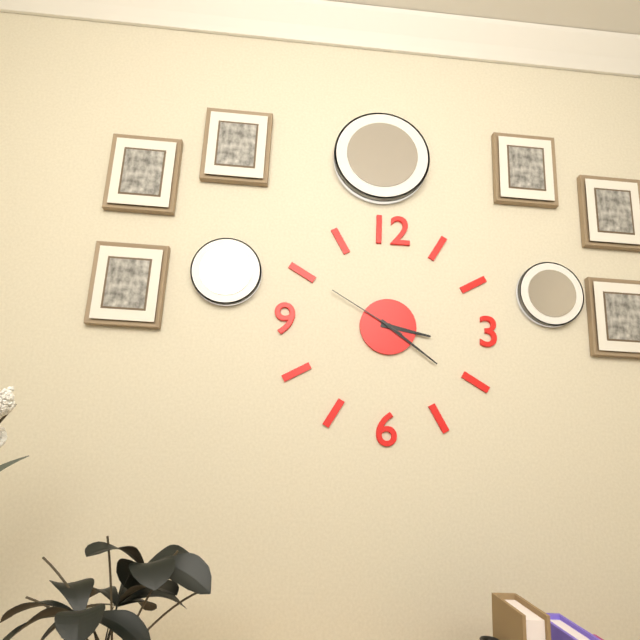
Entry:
3:21:50
